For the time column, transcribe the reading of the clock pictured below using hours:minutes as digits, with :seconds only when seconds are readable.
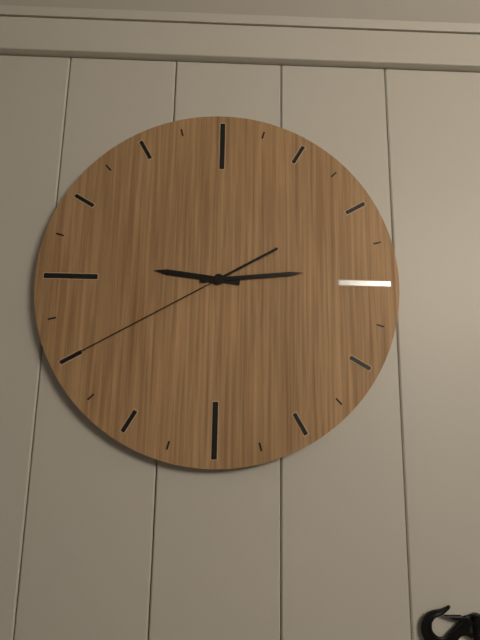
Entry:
9:14:40
